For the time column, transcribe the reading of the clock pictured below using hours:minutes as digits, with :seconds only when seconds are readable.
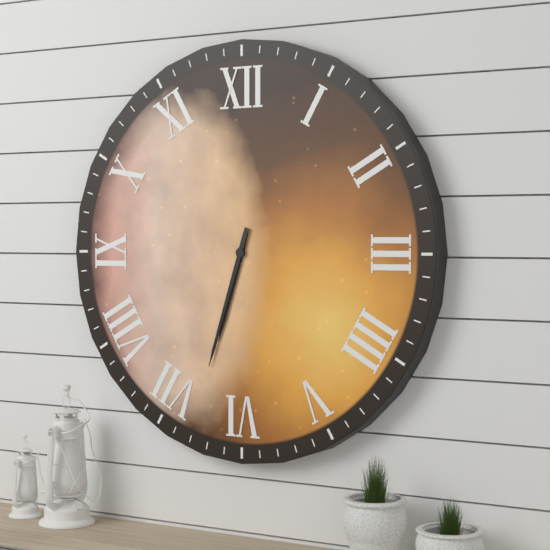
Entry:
6:33
